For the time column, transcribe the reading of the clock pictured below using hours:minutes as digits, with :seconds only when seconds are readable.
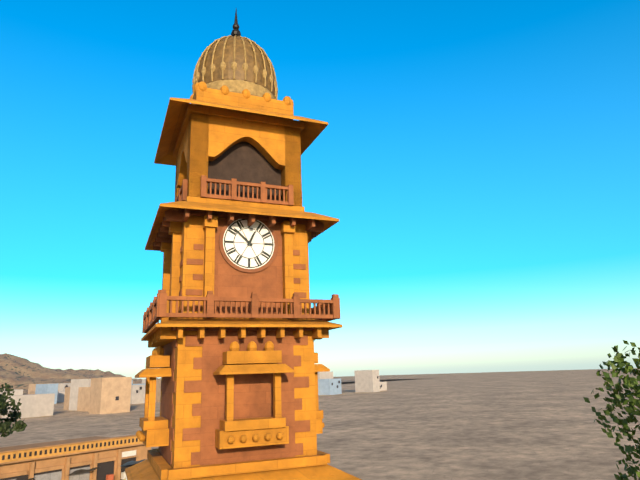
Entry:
12:52
